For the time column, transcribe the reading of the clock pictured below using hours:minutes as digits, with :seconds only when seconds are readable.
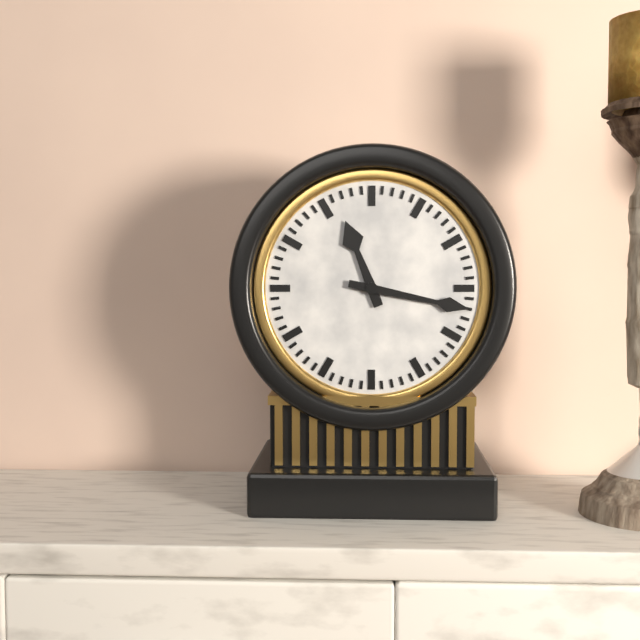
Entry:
11:17
